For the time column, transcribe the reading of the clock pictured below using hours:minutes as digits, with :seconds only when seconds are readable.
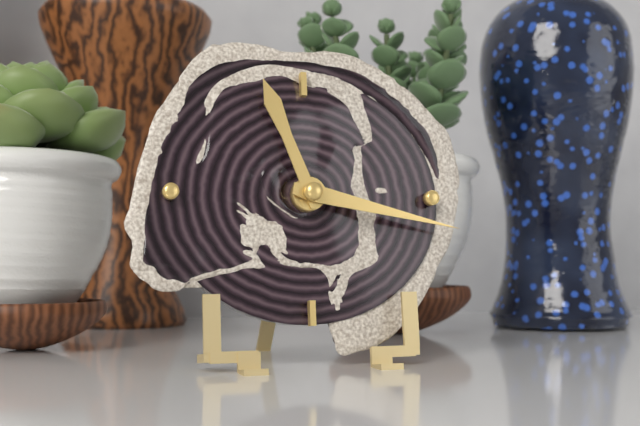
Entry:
11:17
